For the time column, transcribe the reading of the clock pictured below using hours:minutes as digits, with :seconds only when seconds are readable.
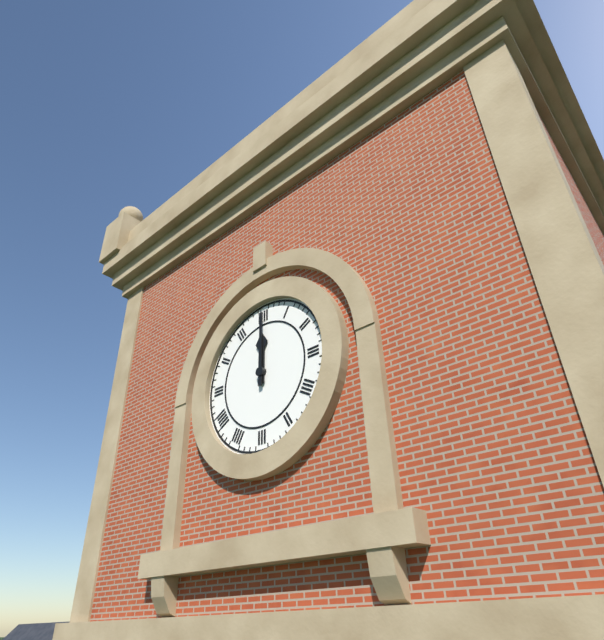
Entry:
12:00
